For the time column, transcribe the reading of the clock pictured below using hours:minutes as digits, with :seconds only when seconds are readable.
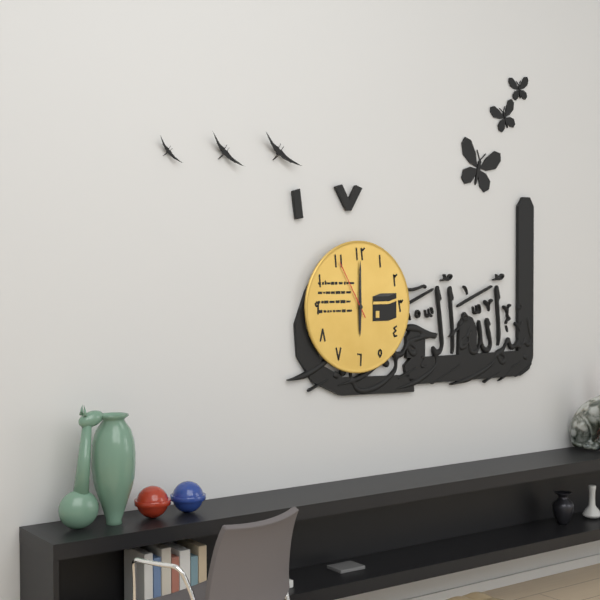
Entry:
6:00:55
